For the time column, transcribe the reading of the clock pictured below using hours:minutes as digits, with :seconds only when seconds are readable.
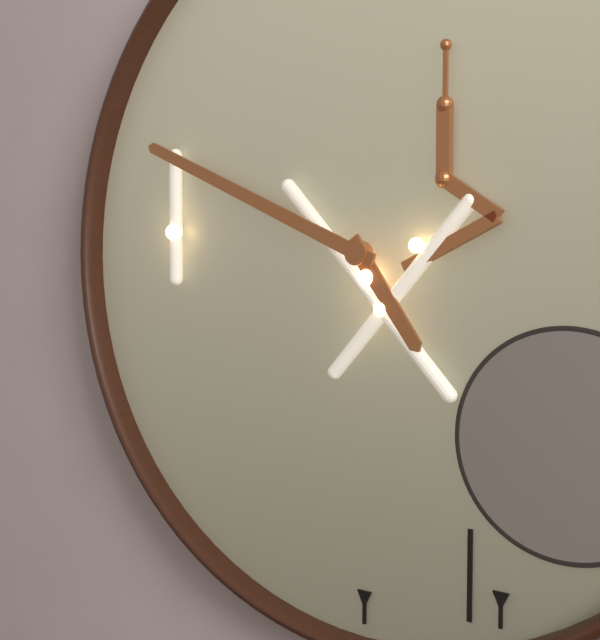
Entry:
4:49
